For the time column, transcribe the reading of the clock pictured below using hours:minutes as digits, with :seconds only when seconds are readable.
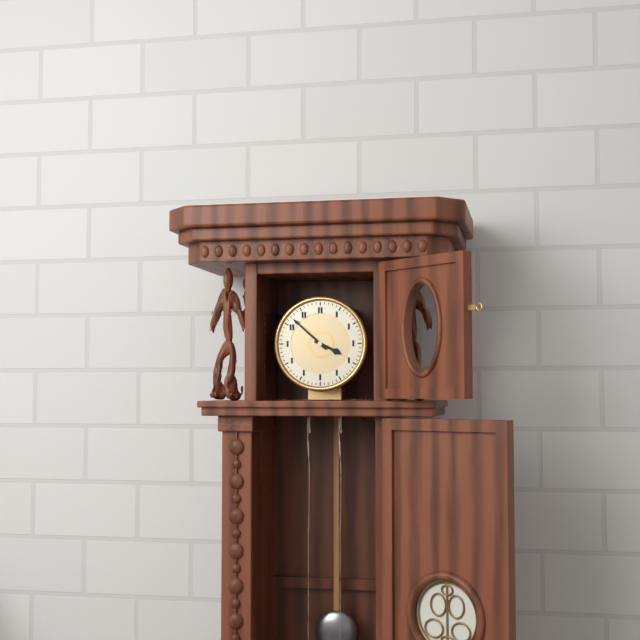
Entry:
3:52
